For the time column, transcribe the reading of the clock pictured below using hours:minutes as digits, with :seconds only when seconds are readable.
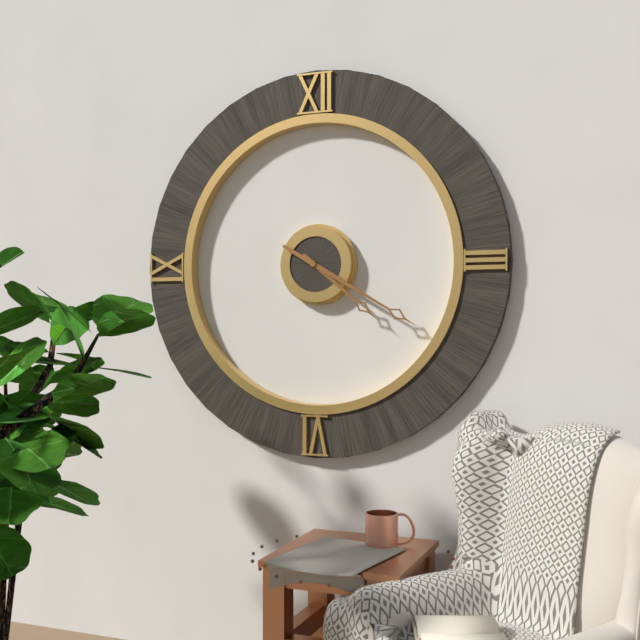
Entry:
4:20
